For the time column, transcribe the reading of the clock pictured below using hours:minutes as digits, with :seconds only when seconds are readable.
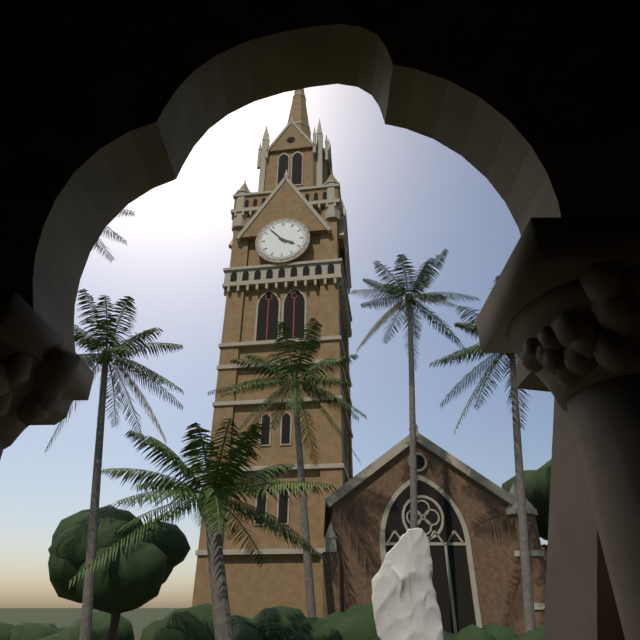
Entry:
3:53
